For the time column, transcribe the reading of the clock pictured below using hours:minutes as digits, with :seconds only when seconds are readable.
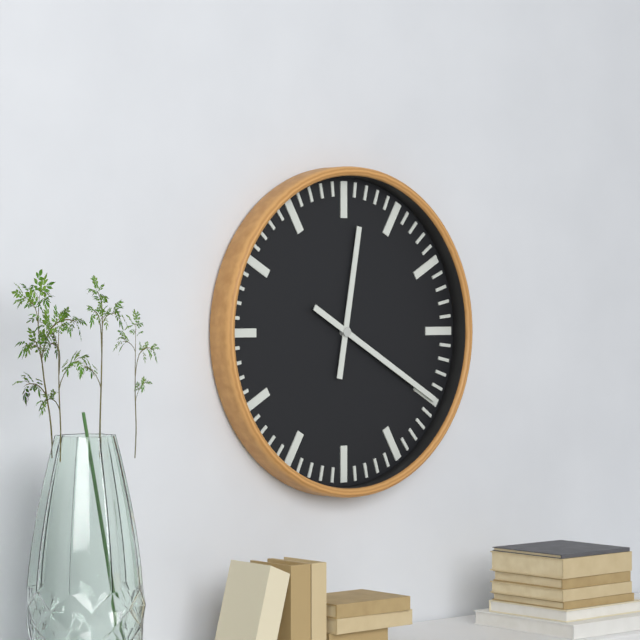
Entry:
12:20
